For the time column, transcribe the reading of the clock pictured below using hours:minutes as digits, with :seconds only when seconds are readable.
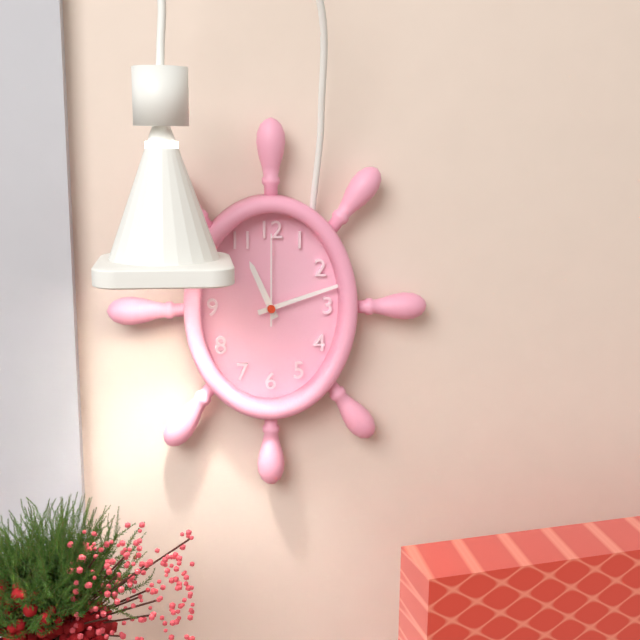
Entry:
11:12:00
